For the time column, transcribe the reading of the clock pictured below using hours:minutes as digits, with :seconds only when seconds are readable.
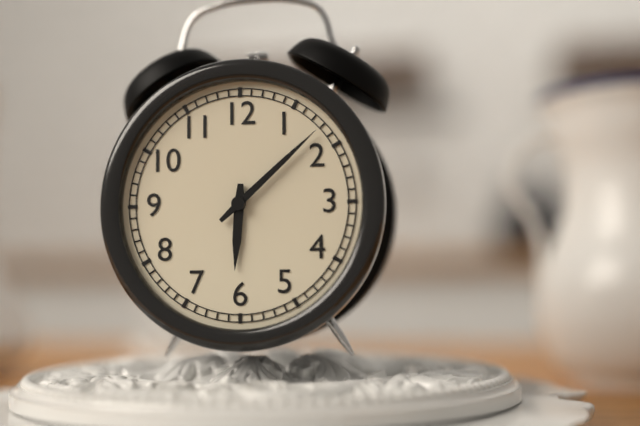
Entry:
6:08
